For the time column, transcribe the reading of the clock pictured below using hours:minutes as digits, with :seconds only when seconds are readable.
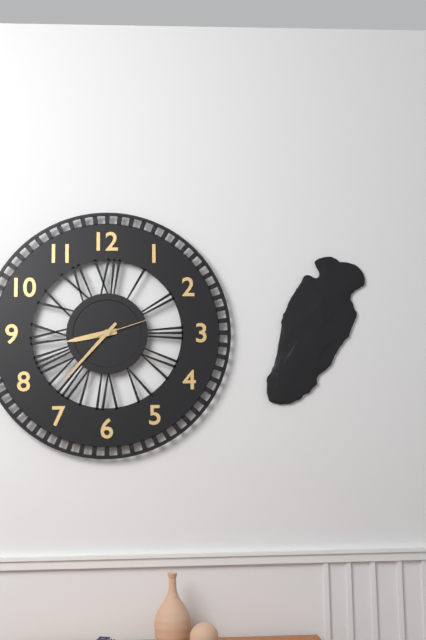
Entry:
8:37:12
